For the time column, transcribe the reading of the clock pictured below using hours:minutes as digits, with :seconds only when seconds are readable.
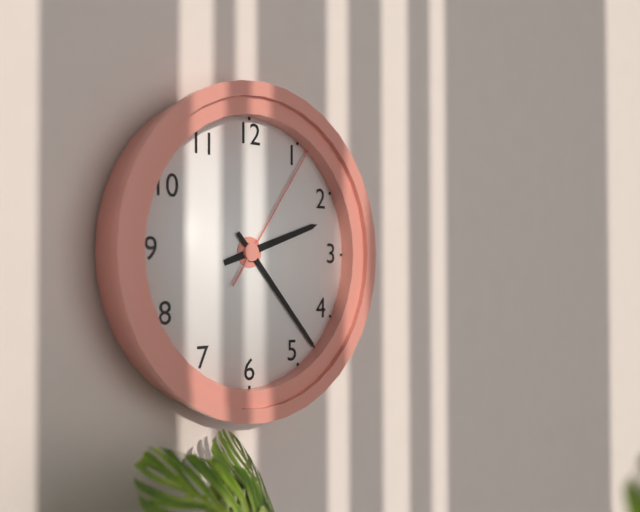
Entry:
2:23:06
